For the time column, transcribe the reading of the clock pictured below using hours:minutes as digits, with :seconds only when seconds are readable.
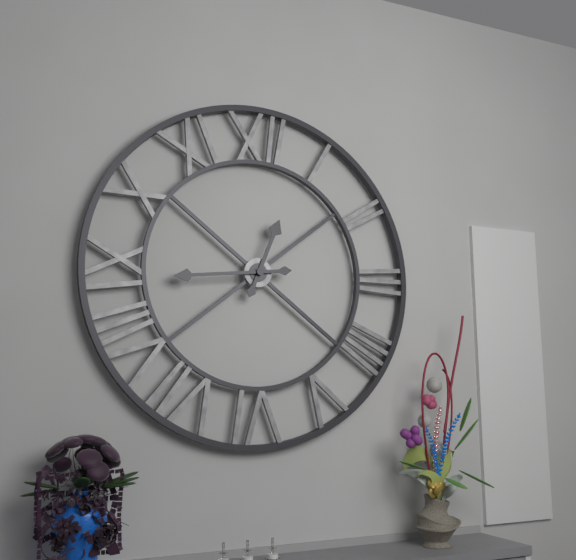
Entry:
12:44
